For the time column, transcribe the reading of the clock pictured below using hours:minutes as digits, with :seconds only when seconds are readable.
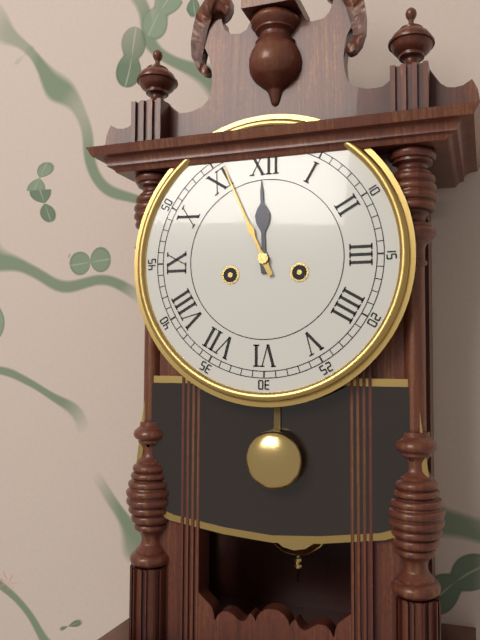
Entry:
11:56
